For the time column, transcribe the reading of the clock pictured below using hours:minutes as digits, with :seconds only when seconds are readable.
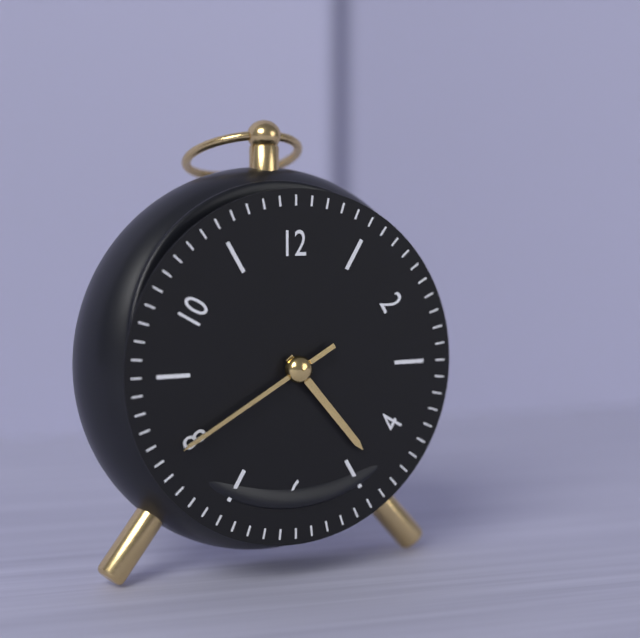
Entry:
4:40
